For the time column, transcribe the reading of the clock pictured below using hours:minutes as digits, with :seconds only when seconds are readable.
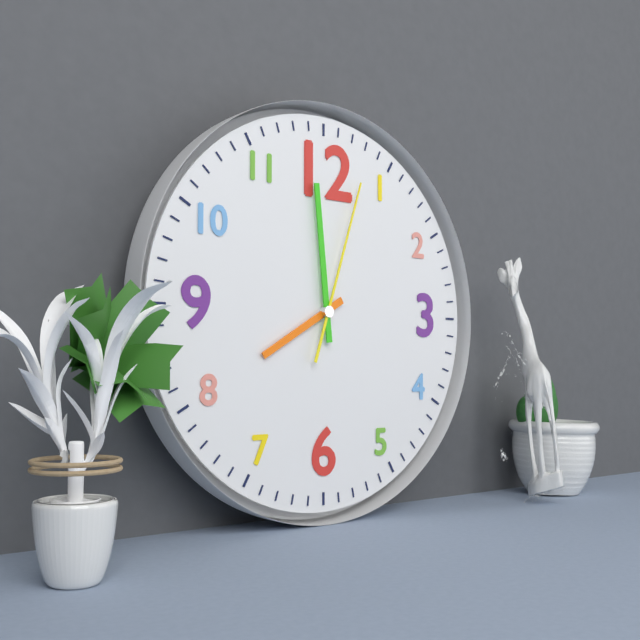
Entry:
7:59:03
